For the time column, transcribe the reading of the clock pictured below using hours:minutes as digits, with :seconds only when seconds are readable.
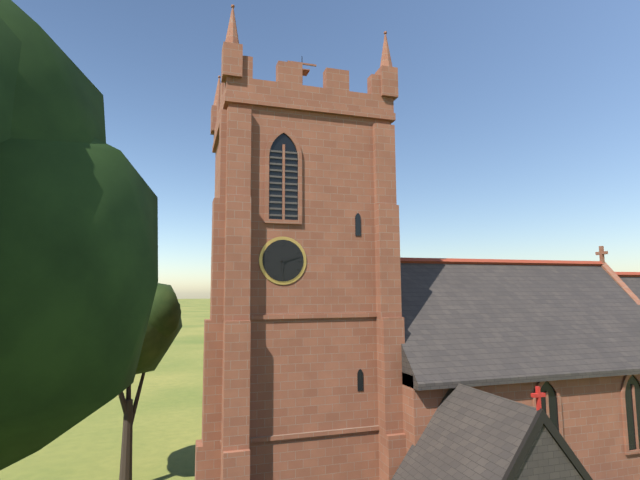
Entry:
6:12
